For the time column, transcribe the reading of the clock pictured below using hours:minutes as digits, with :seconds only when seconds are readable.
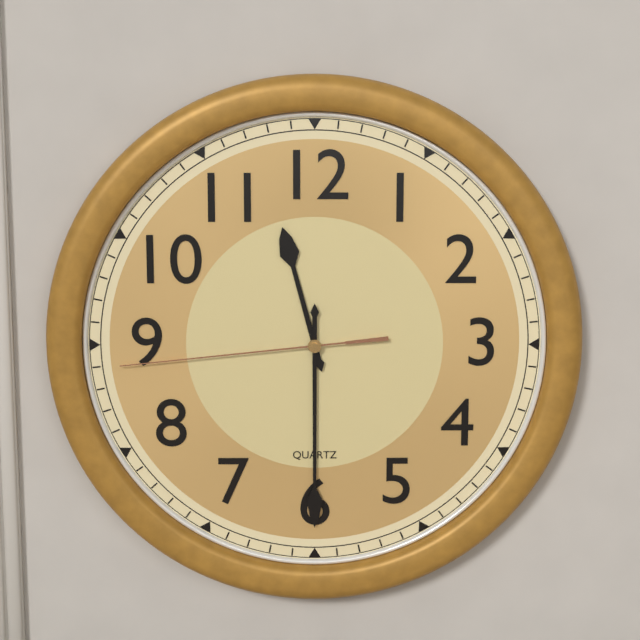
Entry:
11:30:44
